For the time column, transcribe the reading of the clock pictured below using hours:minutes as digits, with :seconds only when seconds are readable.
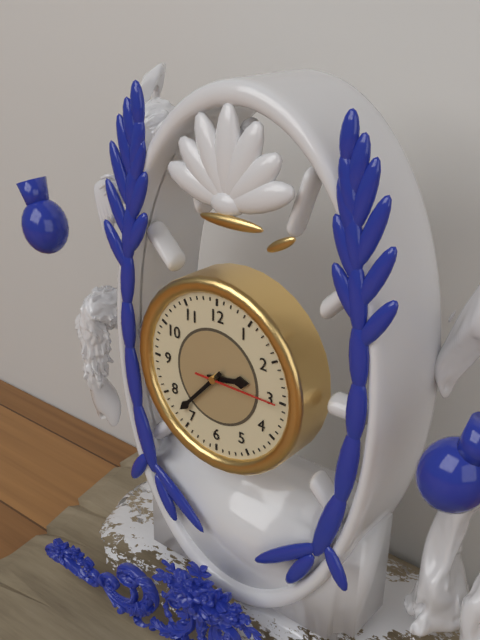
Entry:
2:37:15
